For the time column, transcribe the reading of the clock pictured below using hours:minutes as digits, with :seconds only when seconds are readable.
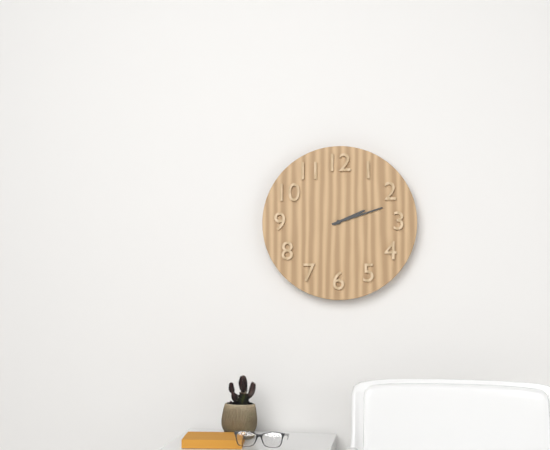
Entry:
2:12
